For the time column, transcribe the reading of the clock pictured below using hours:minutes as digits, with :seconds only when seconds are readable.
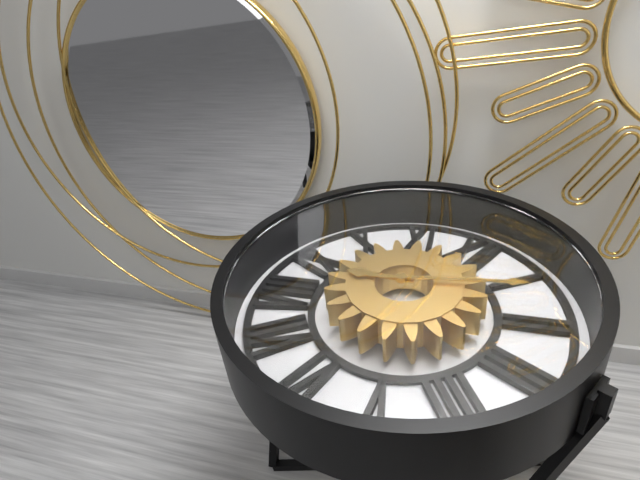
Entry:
8:09
